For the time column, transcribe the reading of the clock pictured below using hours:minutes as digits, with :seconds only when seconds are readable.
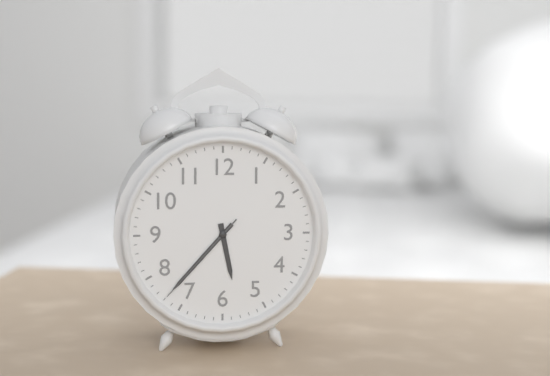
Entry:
5:37:37
